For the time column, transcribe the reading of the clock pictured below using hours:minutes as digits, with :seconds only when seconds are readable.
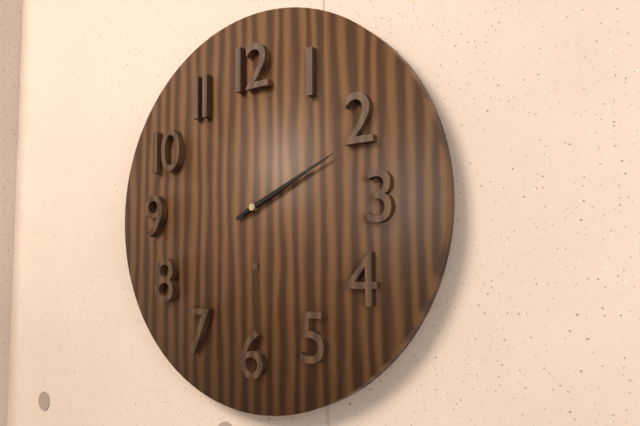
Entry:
2:11
